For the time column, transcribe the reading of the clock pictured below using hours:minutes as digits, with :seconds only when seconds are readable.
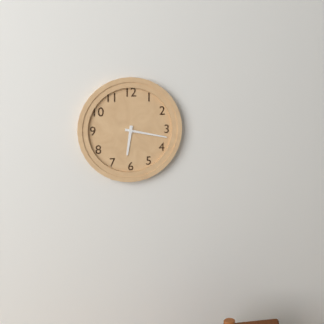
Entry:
6:17
